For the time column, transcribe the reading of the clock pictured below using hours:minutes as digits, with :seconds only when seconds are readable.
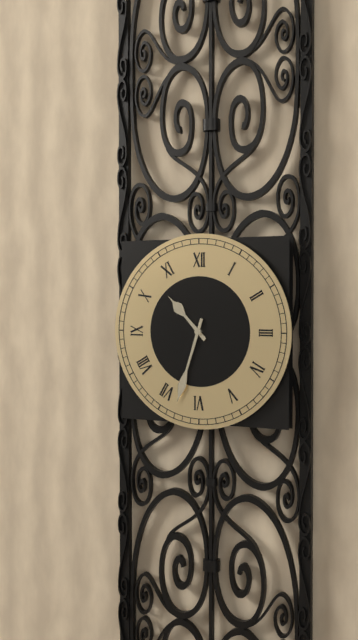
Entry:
10:33
